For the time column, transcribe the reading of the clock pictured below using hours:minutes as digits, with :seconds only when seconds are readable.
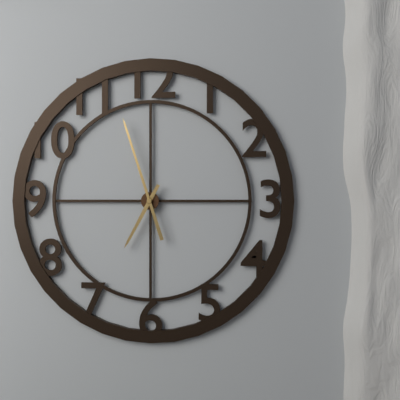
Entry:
6:57
